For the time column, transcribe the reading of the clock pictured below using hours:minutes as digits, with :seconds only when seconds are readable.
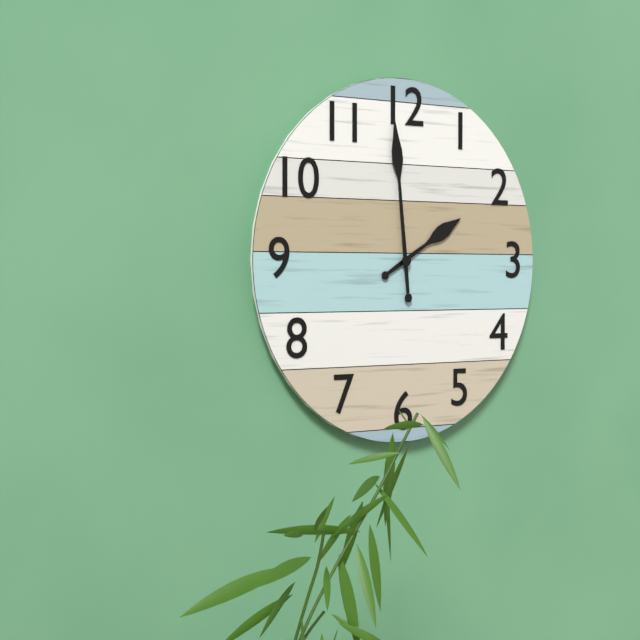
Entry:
1:59
